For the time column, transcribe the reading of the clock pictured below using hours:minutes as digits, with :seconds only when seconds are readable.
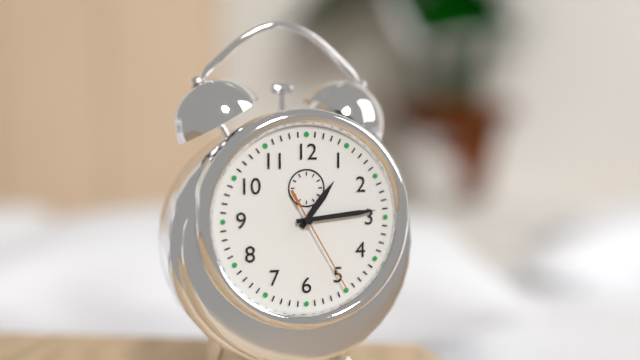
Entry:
1:14:25
